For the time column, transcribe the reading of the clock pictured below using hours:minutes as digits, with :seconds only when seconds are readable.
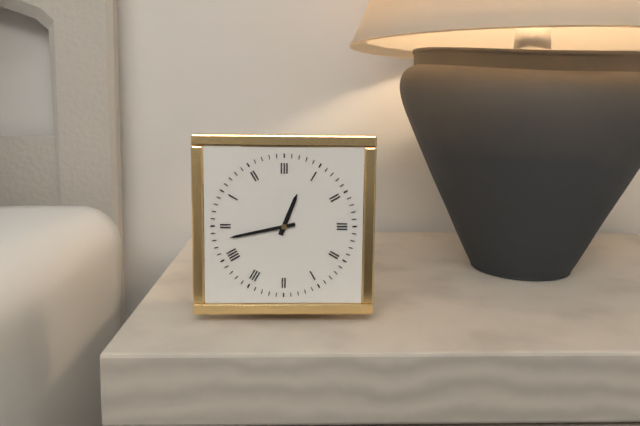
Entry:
12:43
